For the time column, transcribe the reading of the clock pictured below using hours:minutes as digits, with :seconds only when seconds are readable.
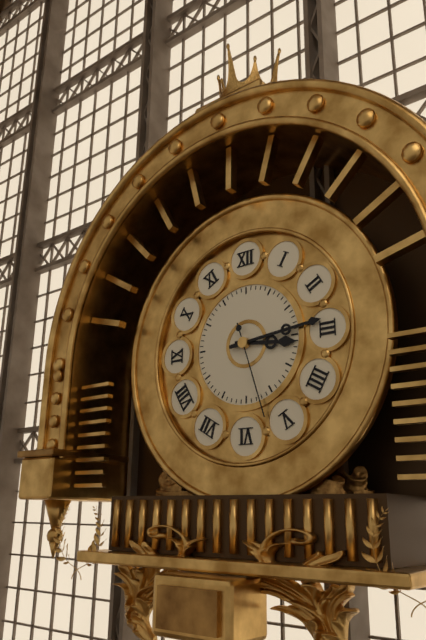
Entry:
3:14:27
